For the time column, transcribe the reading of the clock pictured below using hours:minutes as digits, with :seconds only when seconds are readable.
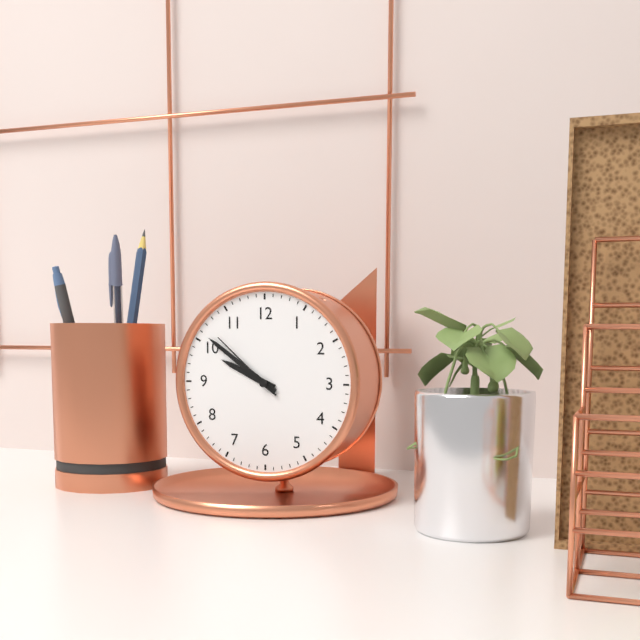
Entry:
9:51:52
